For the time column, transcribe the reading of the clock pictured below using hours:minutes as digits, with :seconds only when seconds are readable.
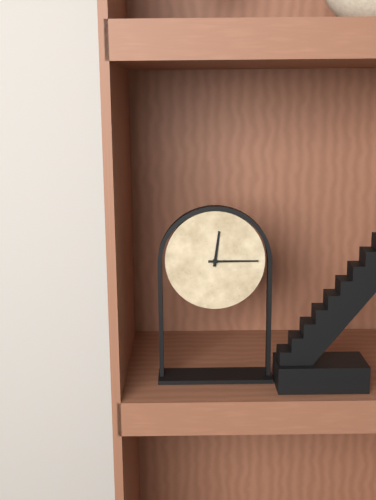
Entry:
12:15
